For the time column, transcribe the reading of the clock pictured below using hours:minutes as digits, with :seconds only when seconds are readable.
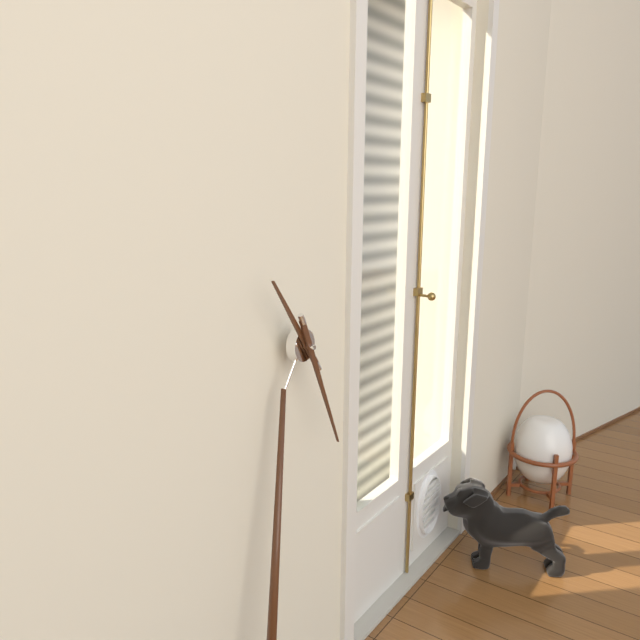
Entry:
10:24
